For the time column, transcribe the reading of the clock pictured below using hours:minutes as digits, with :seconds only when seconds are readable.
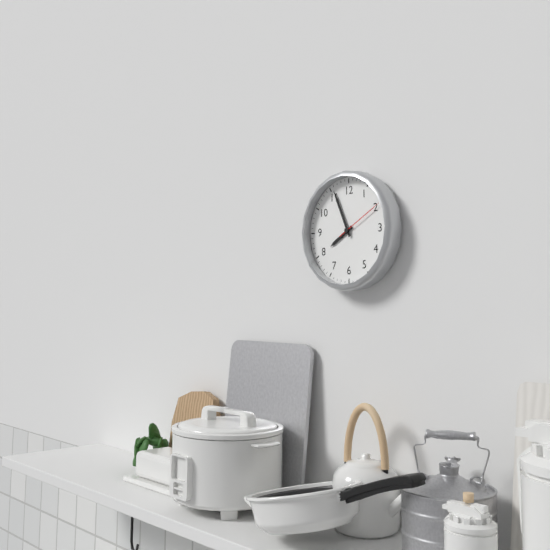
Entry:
7:56:10
